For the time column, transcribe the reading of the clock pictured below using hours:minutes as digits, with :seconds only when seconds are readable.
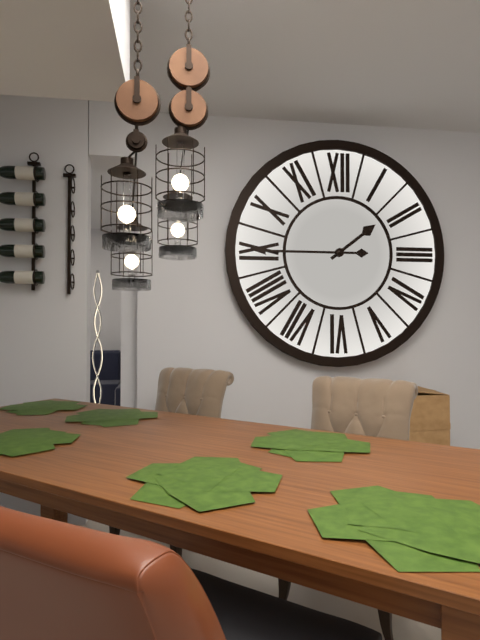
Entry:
1:45
